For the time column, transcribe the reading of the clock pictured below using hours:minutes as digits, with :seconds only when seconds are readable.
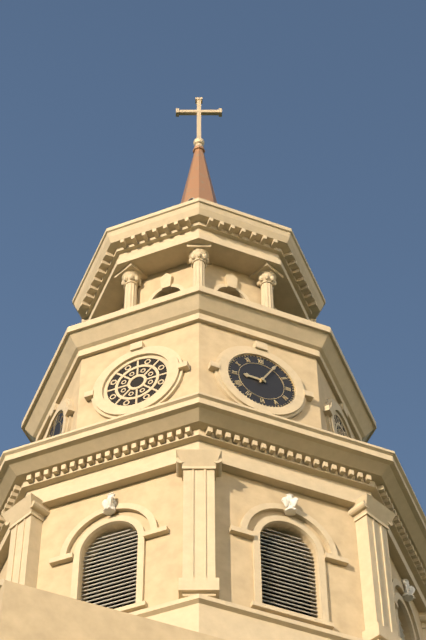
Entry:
9:05
